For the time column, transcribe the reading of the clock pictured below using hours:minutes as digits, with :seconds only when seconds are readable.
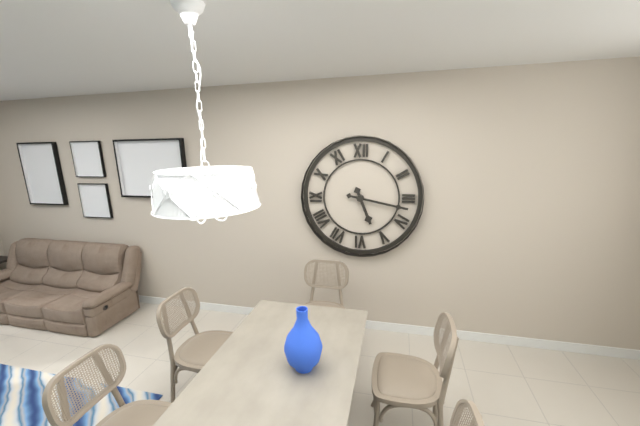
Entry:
5:17
